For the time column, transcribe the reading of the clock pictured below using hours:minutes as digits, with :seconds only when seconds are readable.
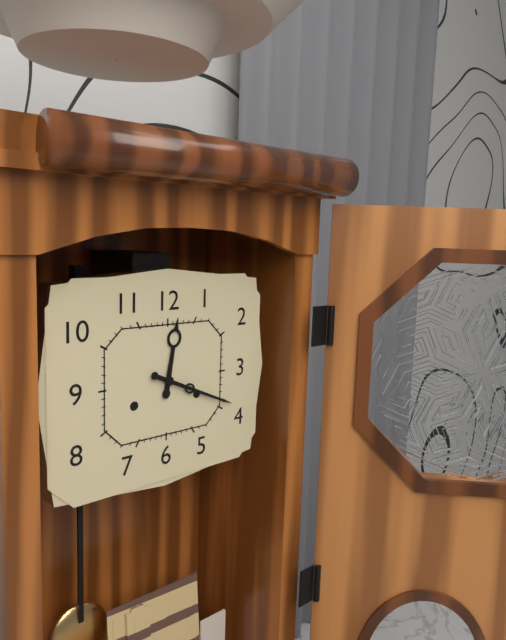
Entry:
12:19
